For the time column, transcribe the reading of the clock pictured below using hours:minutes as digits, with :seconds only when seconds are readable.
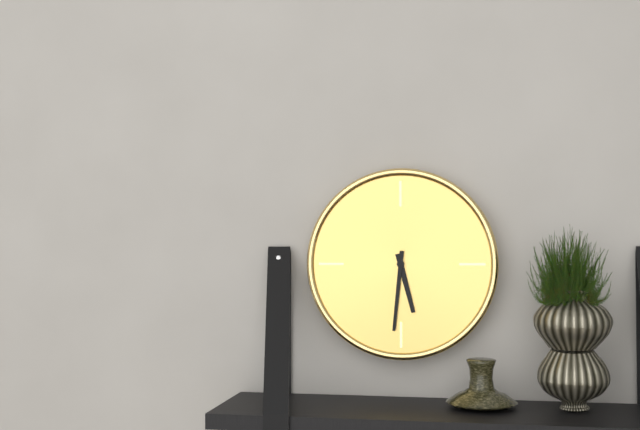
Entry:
5:31
